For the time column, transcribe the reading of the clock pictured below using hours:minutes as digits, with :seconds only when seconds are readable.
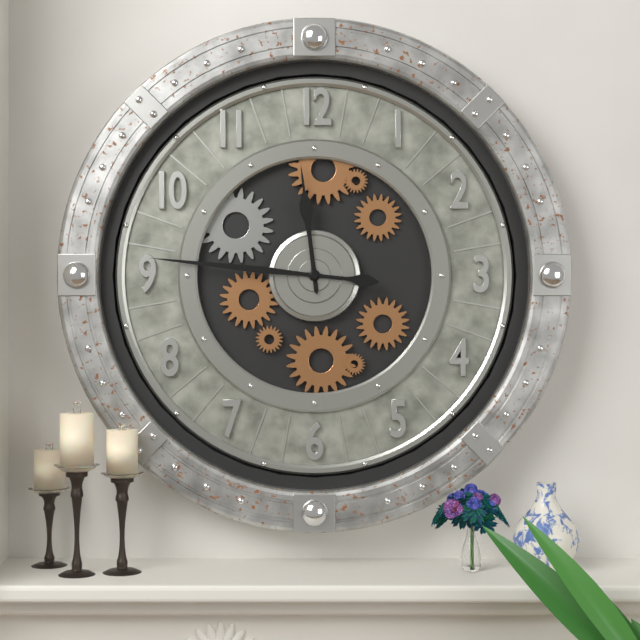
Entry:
11:46
